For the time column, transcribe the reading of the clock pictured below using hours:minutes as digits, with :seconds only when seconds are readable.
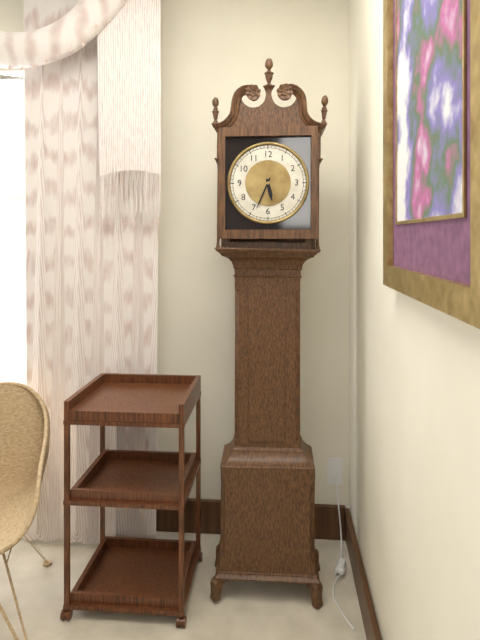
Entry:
5:34
